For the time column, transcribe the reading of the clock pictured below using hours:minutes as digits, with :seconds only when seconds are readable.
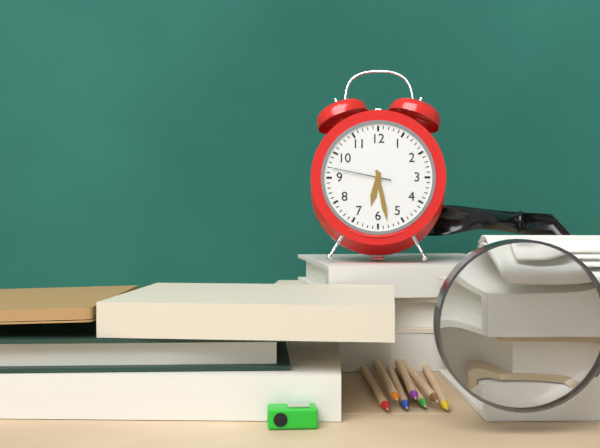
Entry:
6:28:47
